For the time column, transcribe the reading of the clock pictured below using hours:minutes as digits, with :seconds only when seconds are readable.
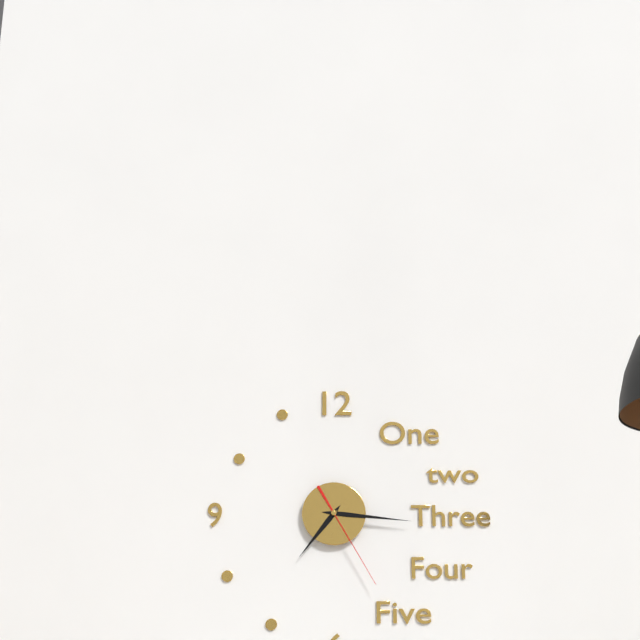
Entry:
7:16:25
